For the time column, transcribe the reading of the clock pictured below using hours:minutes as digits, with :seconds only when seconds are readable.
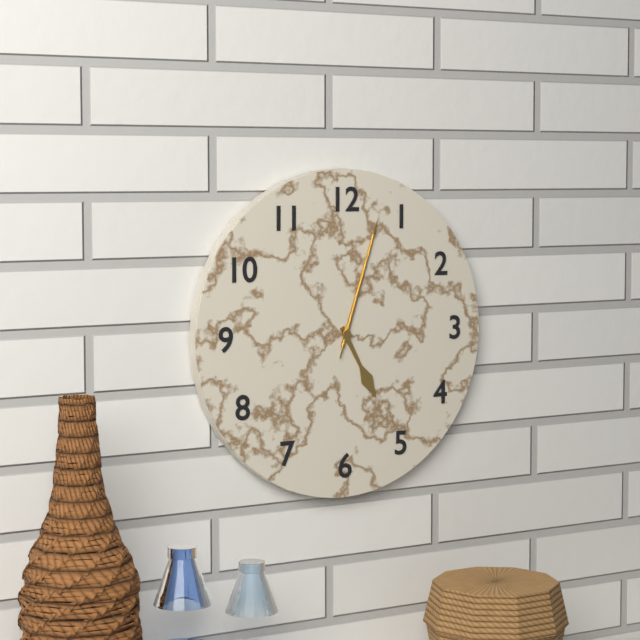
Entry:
5:03:03
